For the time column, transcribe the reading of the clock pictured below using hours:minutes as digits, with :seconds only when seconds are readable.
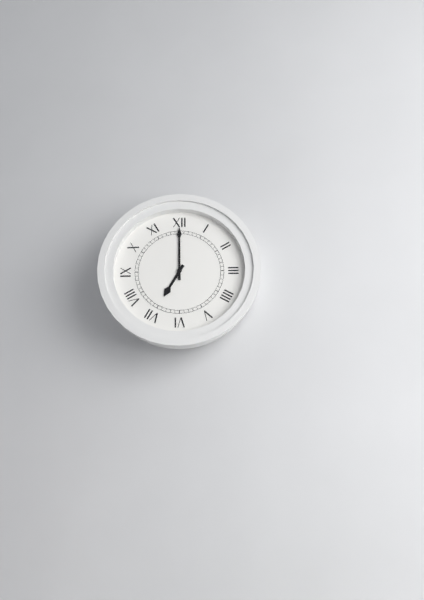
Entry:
7:00
